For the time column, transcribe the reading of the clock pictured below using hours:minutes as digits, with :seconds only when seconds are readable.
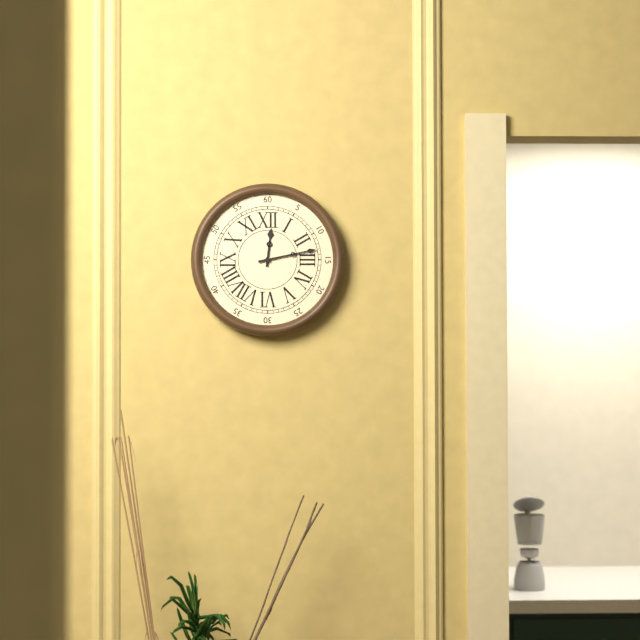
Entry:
12:13
